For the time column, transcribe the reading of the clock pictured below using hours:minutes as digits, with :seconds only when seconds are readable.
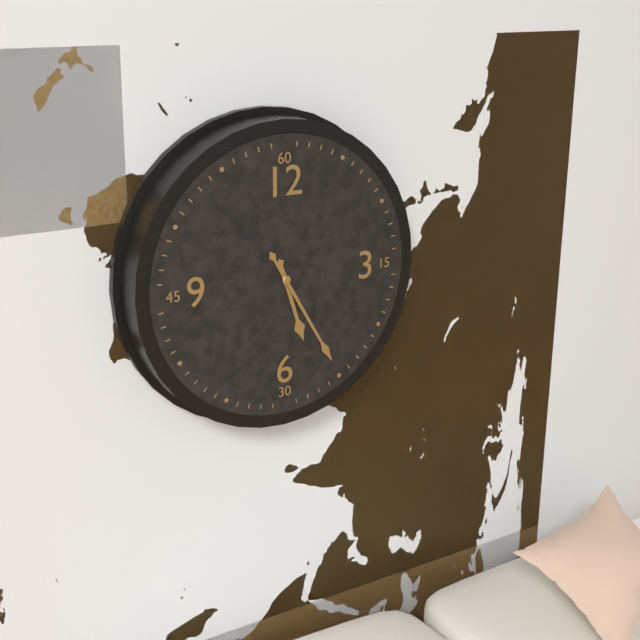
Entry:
5:25
